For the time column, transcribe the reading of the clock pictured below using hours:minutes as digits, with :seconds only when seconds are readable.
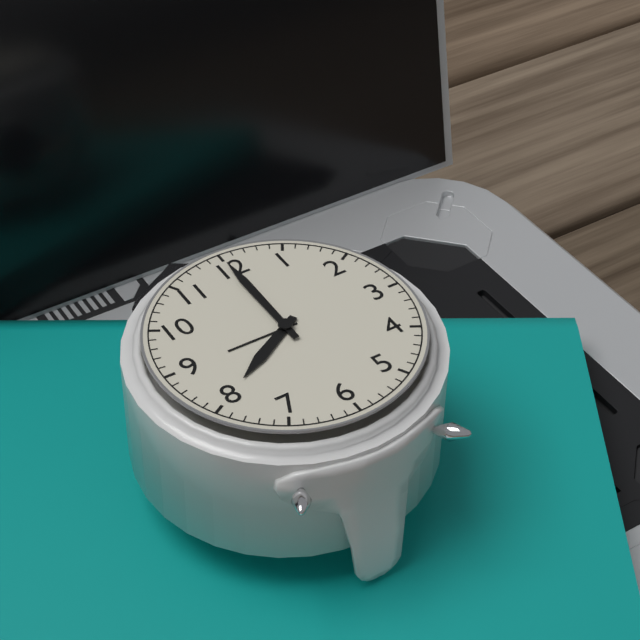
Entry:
8:00
